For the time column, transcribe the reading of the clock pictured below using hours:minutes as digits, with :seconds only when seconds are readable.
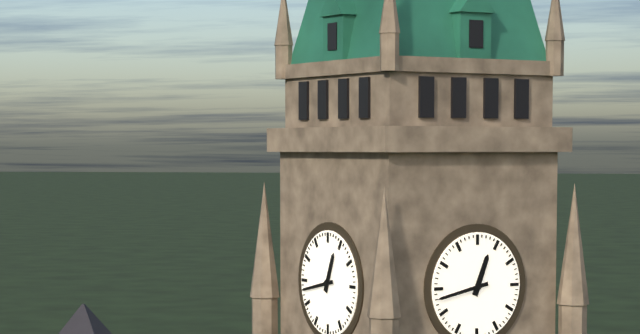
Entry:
12:43
